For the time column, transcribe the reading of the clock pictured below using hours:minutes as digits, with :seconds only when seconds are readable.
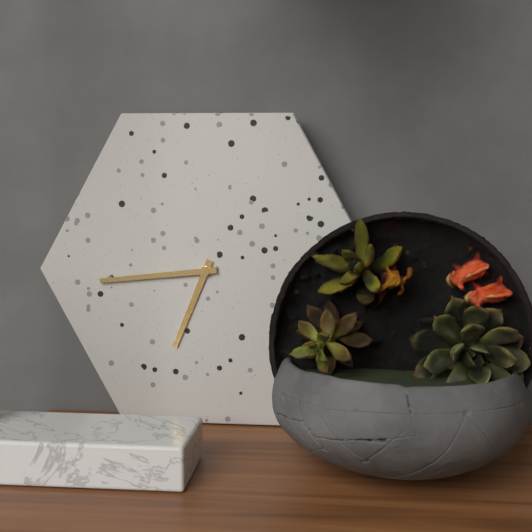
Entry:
6:44
